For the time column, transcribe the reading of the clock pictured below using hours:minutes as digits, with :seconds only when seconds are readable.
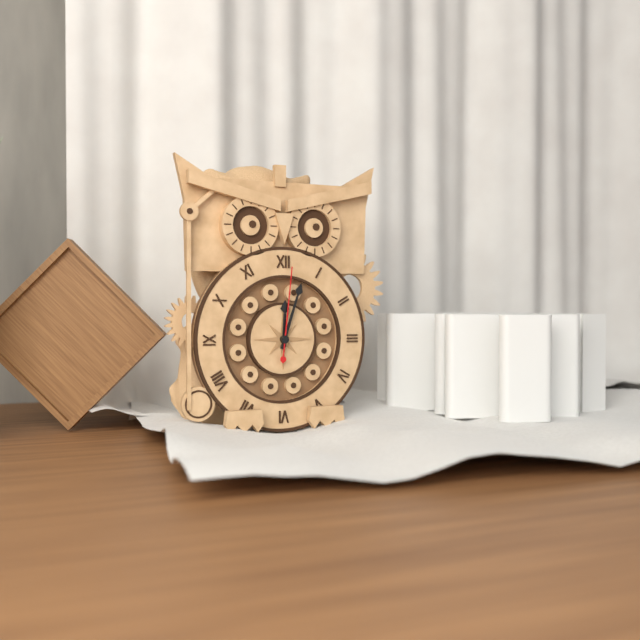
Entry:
12:03:01
